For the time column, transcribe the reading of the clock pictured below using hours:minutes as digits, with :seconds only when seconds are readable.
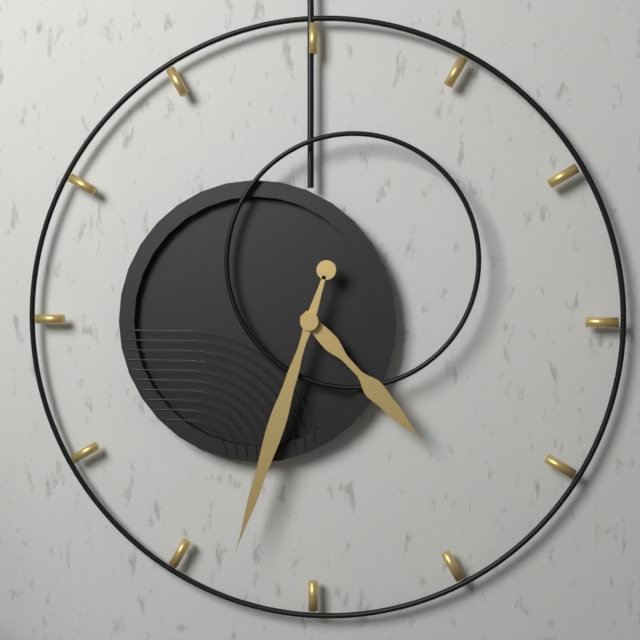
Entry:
4:33
